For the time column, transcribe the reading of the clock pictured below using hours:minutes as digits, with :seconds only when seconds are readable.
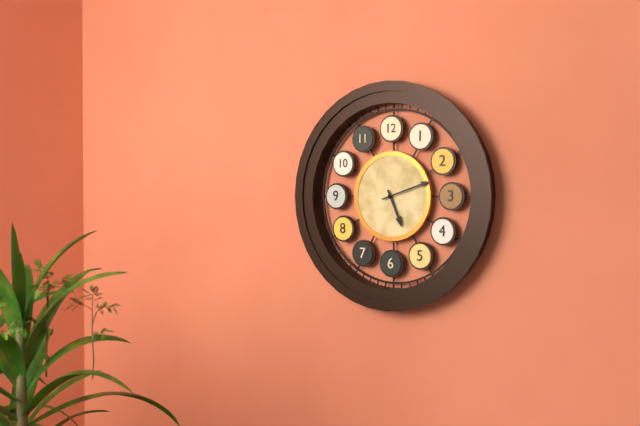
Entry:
5:12
